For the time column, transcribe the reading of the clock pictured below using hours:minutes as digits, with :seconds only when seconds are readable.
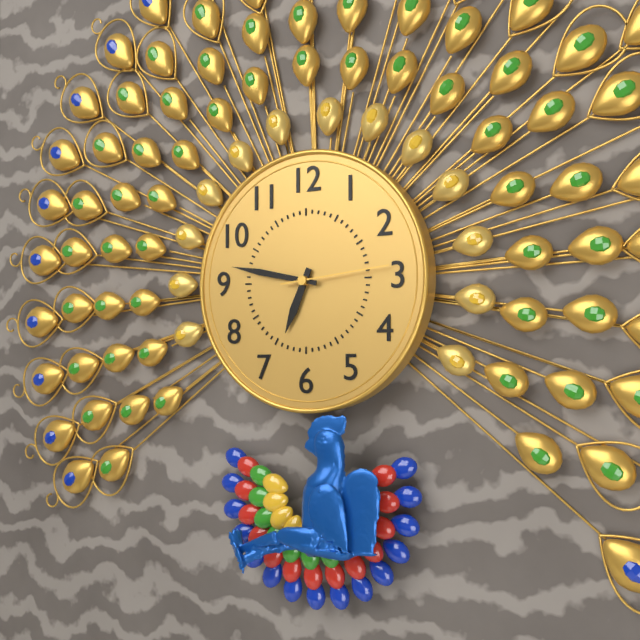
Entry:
6:47:14
